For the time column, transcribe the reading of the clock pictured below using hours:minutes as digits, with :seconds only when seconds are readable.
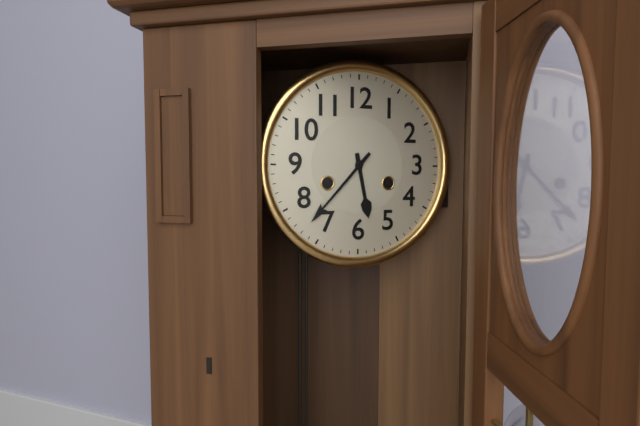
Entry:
5:37
